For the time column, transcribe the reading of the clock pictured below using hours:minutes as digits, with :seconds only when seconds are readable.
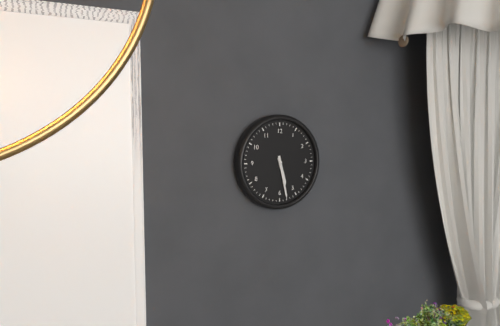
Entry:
5:28
